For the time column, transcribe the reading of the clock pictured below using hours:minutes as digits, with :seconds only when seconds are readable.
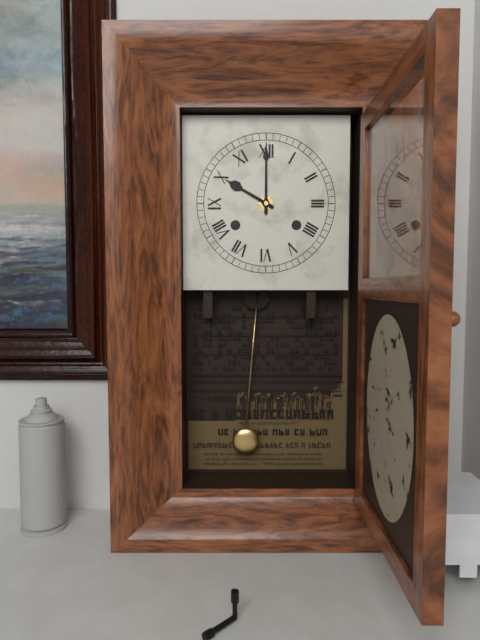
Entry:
10:00
